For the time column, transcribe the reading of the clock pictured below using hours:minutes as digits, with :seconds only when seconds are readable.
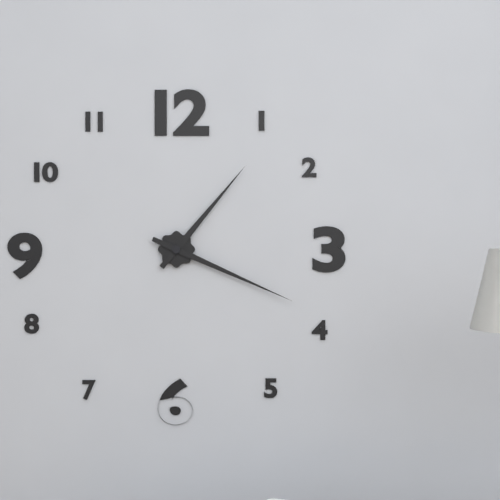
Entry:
1:19
